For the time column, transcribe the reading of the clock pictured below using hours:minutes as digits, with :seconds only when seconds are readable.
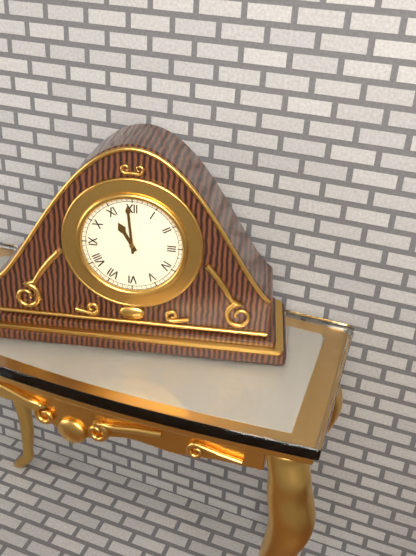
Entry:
10:59
